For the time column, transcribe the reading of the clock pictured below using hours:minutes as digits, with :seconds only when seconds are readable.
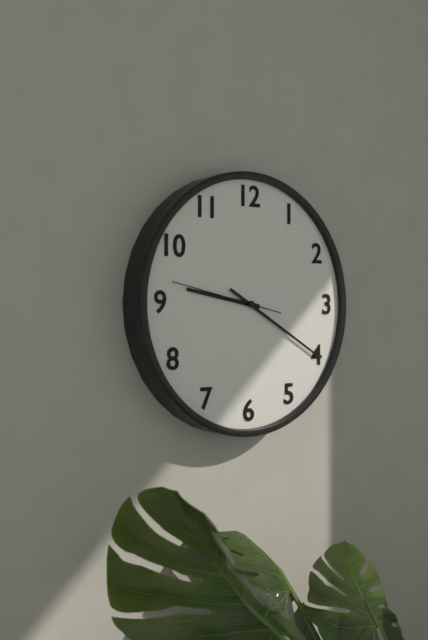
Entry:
9:20:47
